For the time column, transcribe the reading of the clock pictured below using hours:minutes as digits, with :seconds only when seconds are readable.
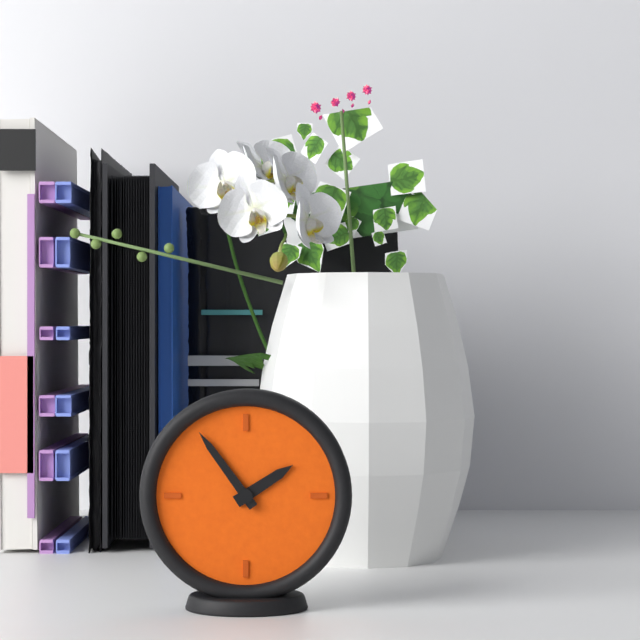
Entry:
1:54
